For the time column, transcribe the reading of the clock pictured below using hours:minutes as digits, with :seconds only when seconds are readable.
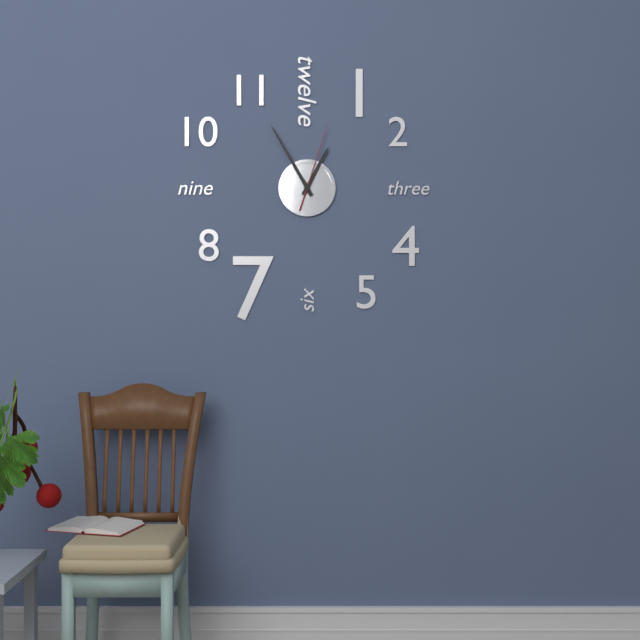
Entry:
12:55:03
